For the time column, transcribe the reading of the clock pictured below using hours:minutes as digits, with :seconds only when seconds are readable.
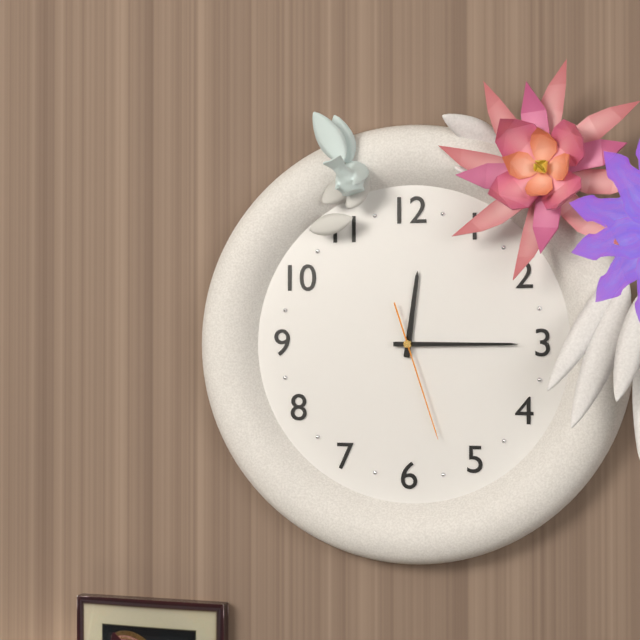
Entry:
12:15:27
